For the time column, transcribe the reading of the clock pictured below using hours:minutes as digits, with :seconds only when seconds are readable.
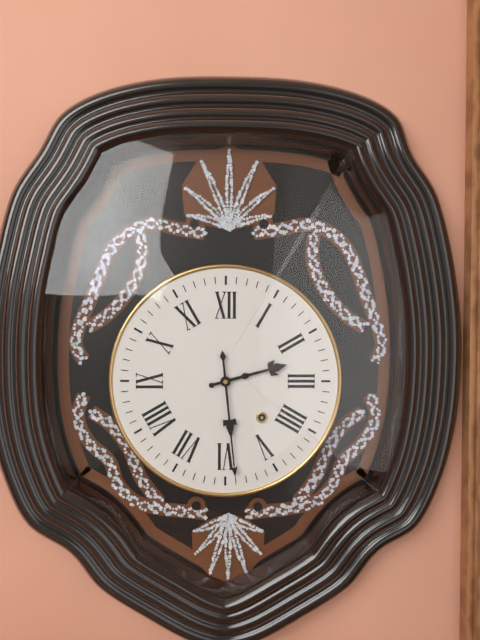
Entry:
2:29
